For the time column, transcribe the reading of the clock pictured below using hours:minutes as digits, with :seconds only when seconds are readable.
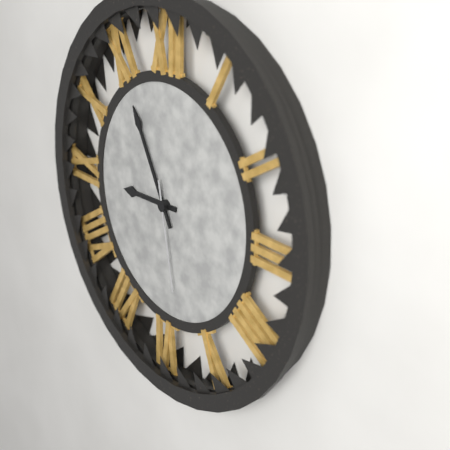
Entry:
8:55:28
